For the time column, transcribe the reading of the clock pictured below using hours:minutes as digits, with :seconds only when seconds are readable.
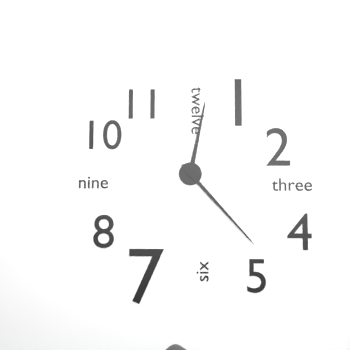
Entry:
12:23
